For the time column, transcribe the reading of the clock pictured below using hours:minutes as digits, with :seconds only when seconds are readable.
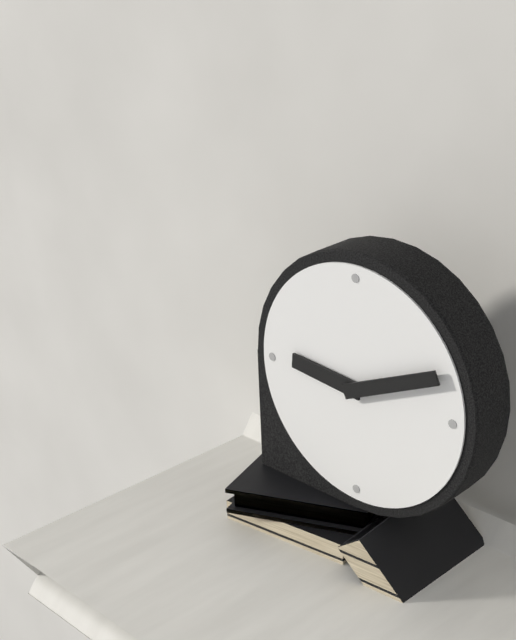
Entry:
9:11
